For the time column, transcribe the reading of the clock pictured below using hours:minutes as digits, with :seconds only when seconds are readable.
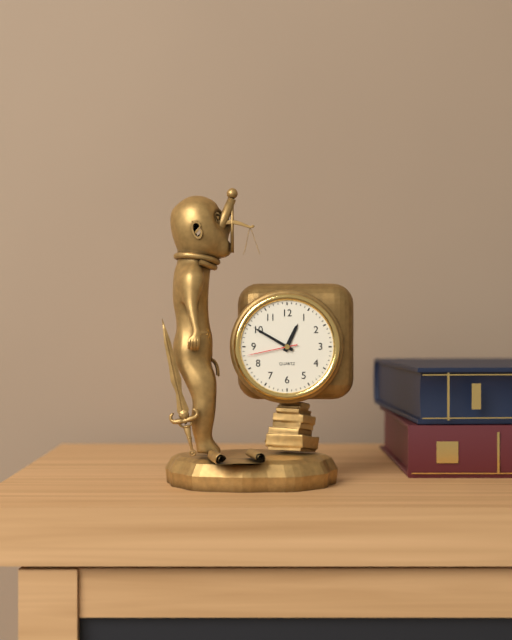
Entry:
12:50:43
